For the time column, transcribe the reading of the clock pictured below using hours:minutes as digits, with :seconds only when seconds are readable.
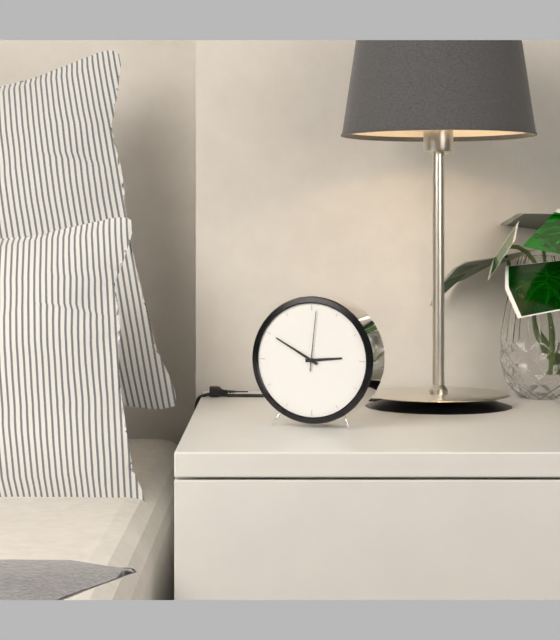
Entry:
2:50:01
